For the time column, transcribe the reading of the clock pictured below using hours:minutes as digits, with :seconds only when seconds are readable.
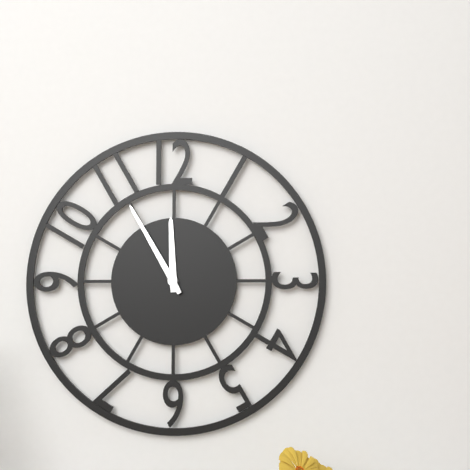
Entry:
11:55
